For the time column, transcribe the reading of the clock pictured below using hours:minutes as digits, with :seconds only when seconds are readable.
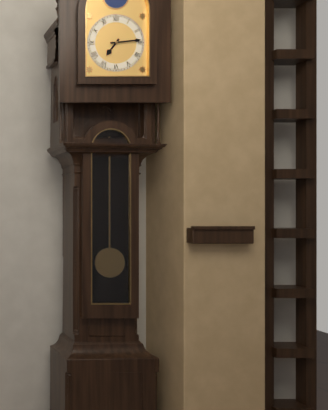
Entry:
7:14
